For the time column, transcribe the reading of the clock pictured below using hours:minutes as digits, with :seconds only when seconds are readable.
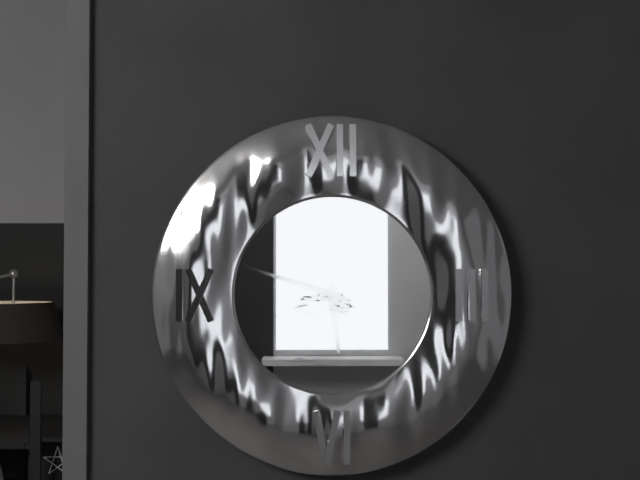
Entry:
5:48
